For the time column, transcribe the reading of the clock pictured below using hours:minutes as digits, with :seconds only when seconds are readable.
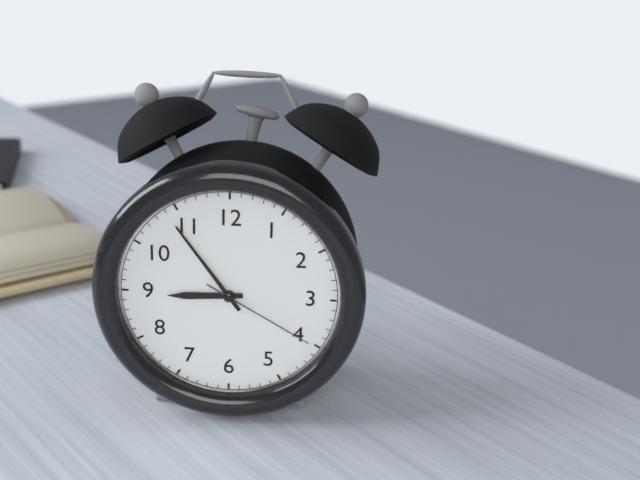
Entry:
8:54:20
